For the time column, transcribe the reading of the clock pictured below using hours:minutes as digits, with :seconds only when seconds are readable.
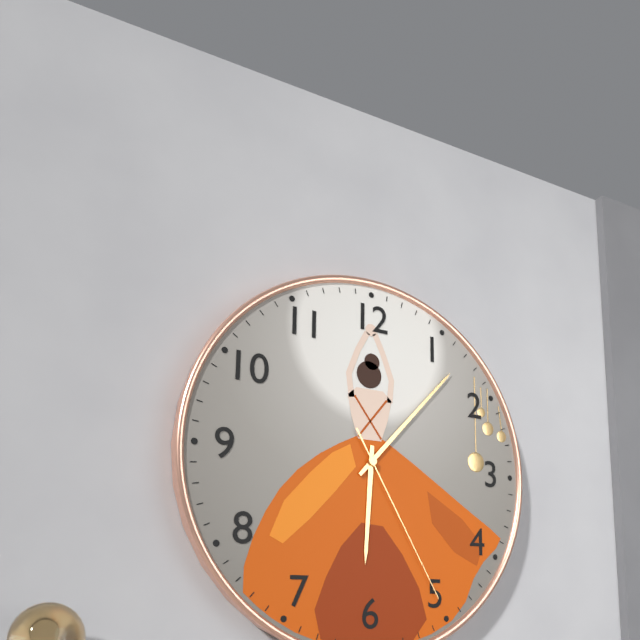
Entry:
6:07:25
